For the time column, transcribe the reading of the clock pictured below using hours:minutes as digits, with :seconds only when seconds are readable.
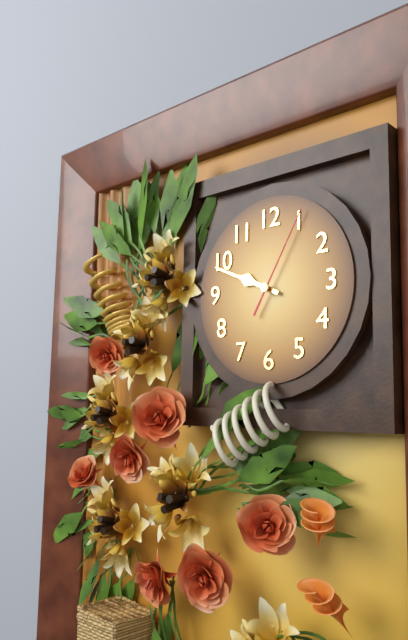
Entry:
9:49:05
